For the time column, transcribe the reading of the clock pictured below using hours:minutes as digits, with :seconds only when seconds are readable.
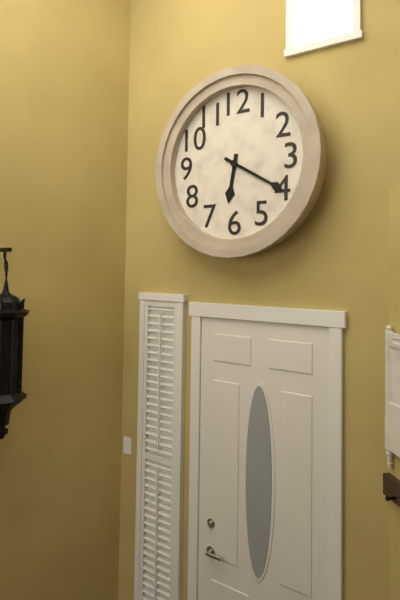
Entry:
6:20
